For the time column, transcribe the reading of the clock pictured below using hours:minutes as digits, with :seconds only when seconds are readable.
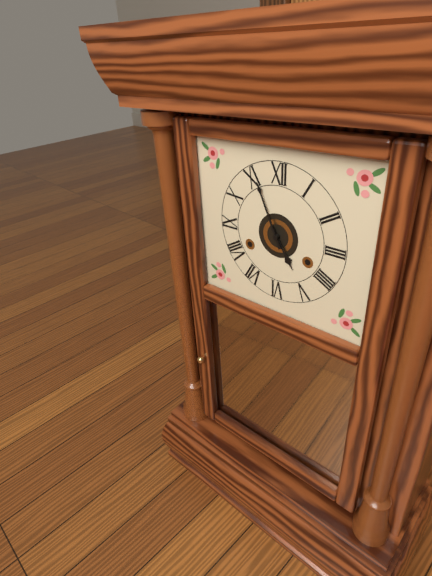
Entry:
4:56
